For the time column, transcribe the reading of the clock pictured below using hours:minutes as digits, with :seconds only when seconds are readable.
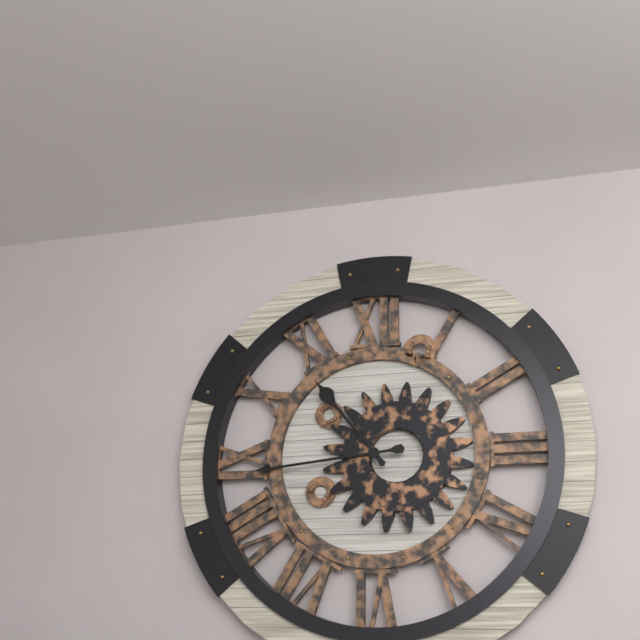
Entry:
10:44
